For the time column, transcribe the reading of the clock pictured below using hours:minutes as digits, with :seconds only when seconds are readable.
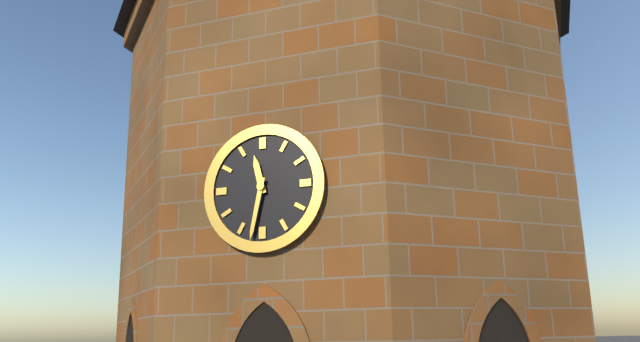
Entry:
11:32
